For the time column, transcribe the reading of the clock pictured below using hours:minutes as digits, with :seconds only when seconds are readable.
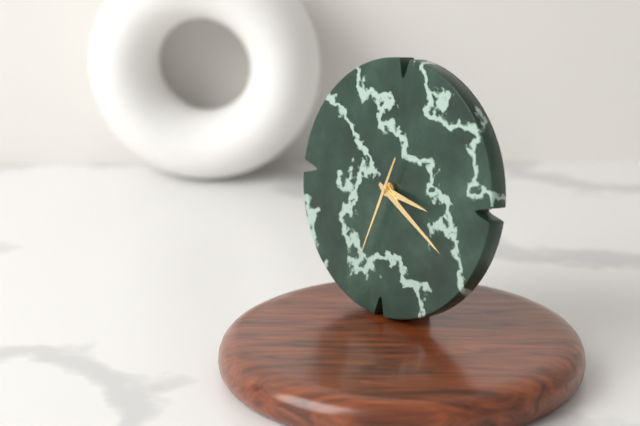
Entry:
3:20:33
